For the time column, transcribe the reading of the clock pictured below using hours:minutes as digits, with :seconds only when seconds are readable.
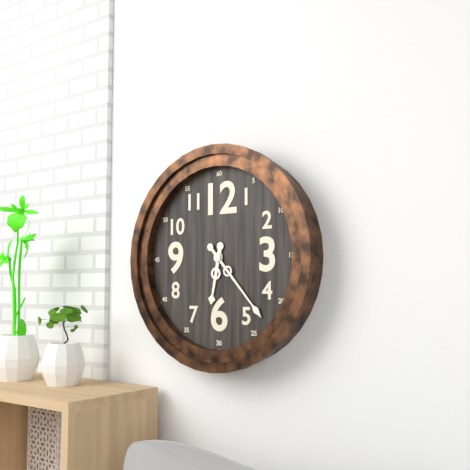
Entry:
6:23
